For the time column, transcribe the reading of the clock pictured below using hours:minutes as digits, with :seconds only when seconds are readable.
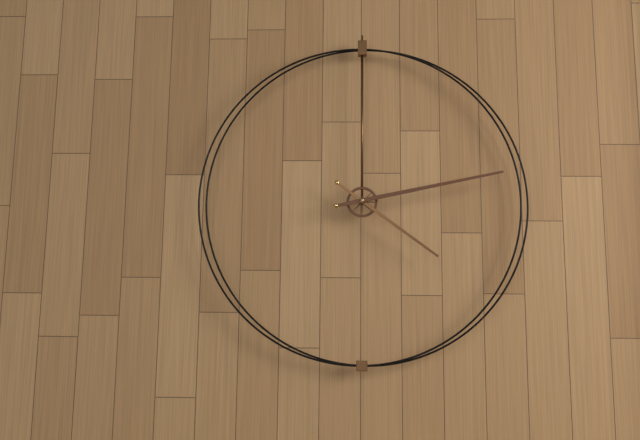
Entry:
4:13
